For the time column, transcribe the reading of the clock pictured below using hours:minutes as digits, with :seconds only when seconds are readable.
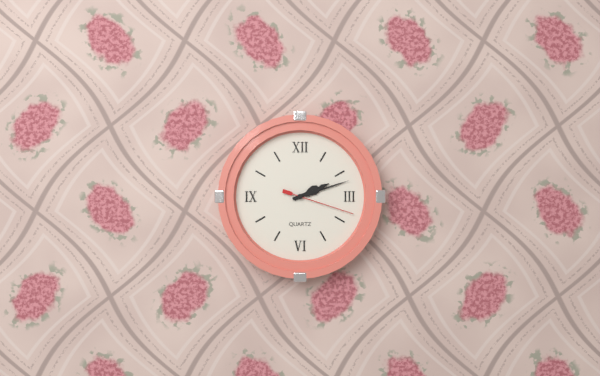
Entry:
2:12:18
